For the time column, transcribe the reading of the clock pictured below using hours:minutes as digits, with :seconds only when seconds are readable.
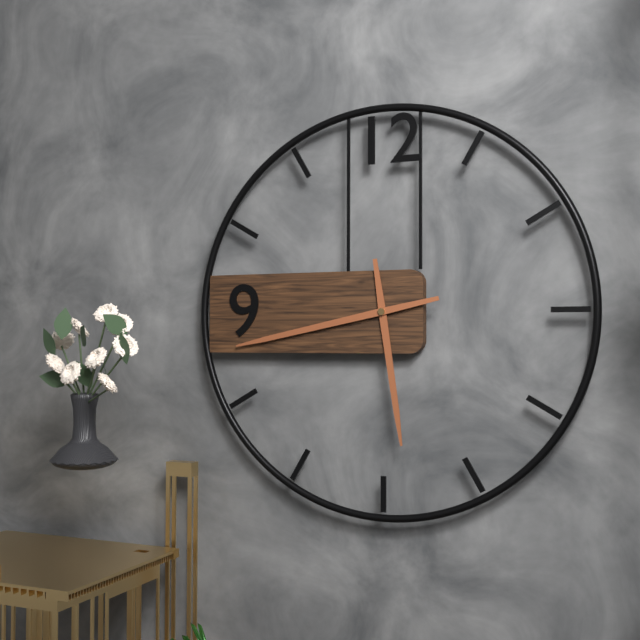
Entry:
5:43
